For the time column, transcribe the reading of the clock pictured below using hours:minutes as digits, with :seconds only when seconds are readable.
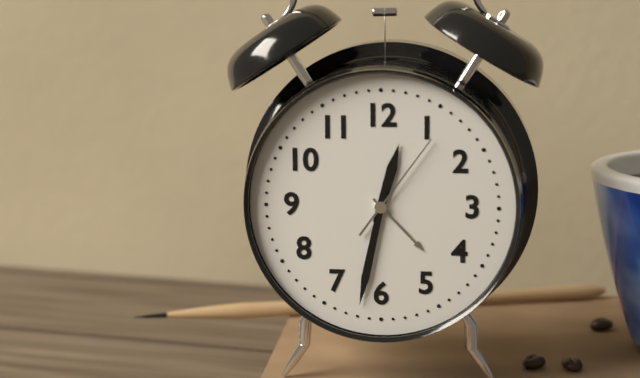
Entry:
12:32:06
